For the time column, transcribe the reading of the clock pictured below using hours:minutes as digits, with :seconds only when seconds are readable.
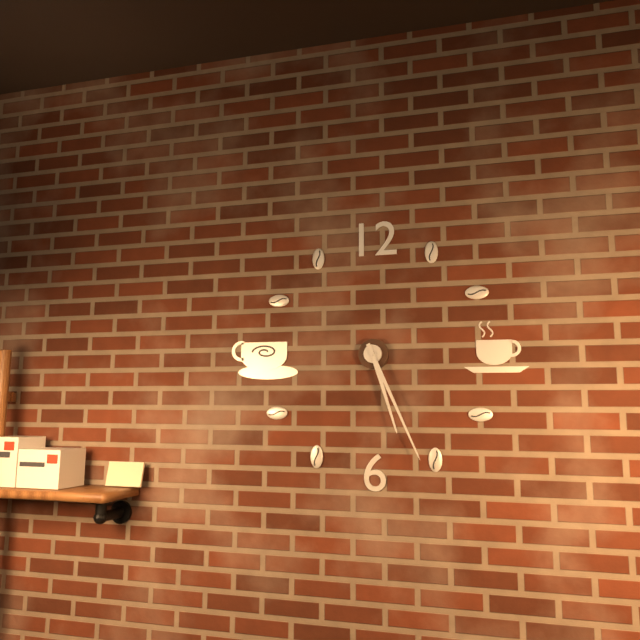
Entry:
5:26
